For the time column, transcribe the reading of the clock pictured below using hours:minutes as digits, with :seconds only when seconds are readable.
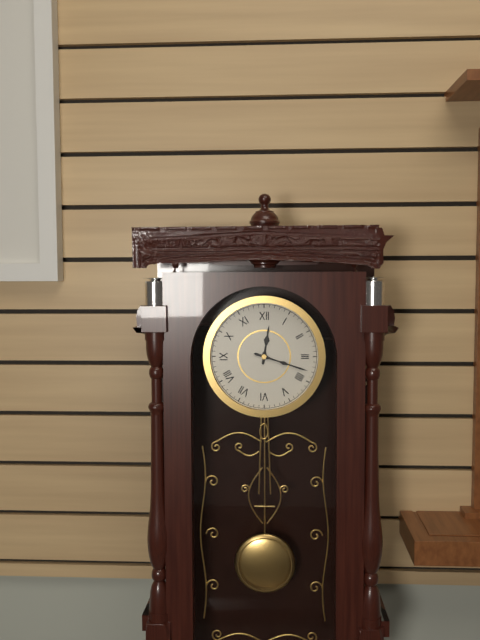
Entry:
12:18
